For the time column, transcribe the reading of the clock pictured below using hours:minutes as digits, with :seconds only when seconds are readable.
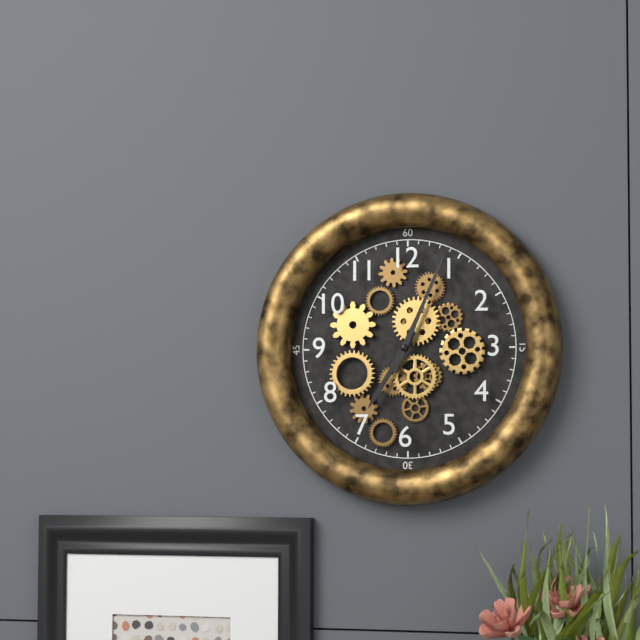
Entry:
7:04
